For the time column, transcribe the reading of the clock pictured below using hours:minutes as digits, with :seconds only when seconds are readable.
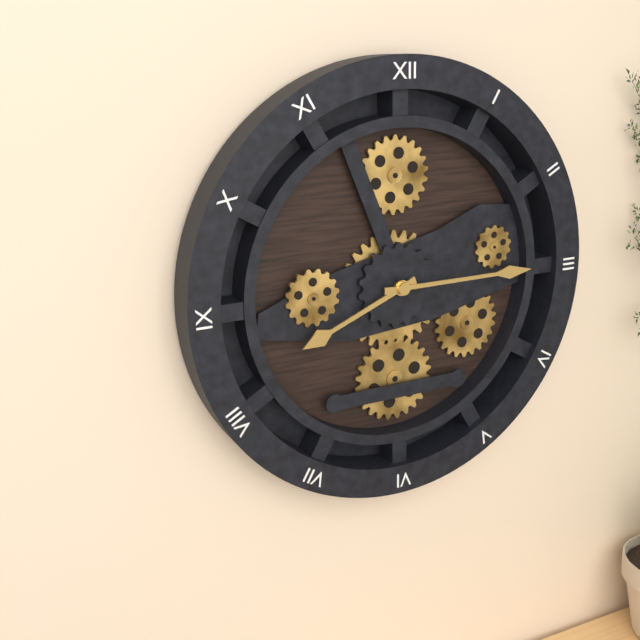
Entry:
8:15
